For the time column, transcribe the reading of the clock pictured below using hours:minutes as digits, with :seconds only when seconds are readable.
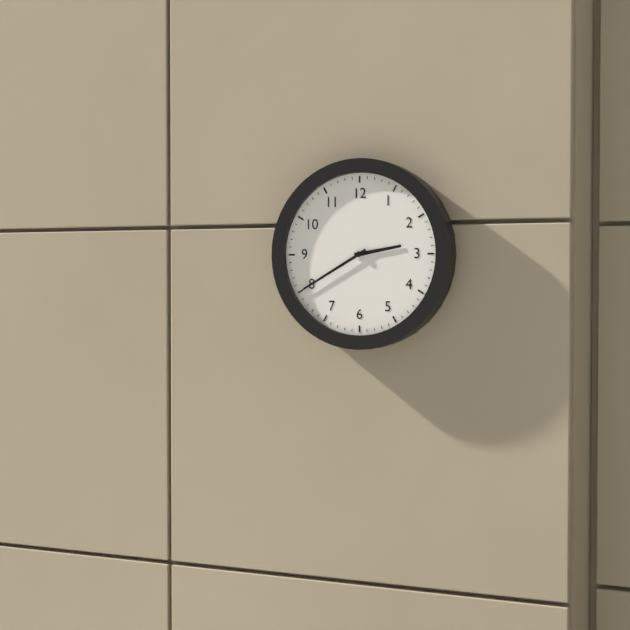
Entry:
2:40
